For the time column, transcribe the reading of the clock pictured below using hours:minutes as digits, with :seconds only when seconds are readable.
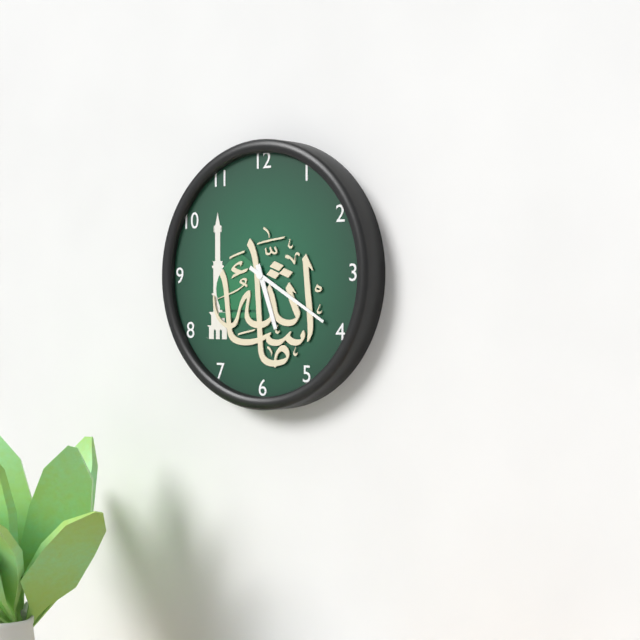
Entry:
5:20
